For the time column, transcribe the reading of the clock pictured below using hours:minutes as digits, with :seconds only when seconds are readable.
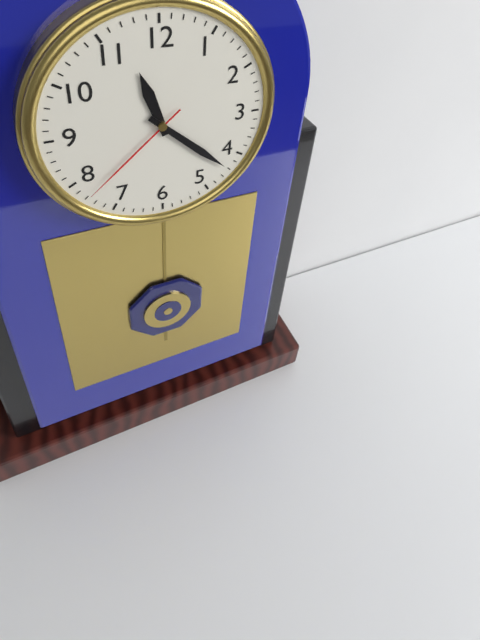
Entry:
11:22:38
